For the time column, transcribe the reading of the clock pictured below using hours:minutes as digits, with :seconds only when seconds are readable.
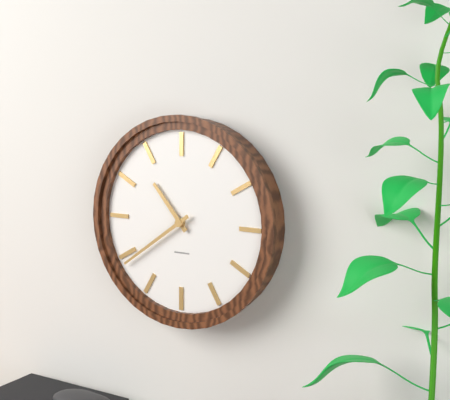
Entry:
10:39
